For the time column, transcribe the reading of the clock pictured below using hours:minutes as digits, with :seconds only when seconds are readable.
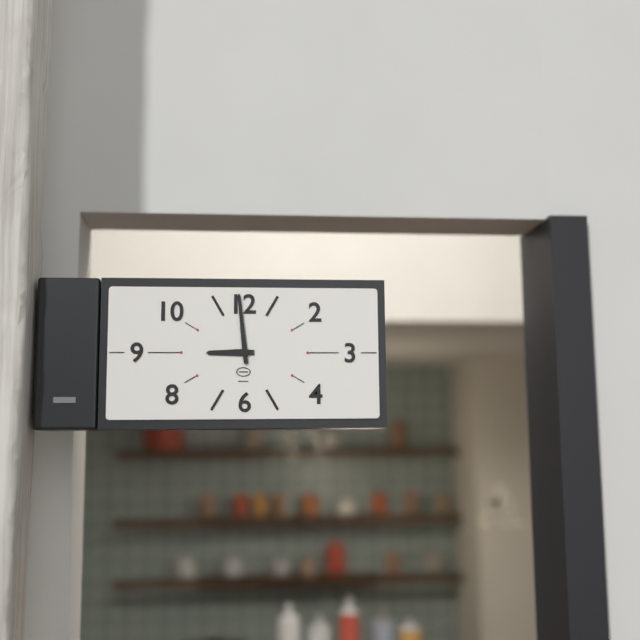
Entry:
8:59
